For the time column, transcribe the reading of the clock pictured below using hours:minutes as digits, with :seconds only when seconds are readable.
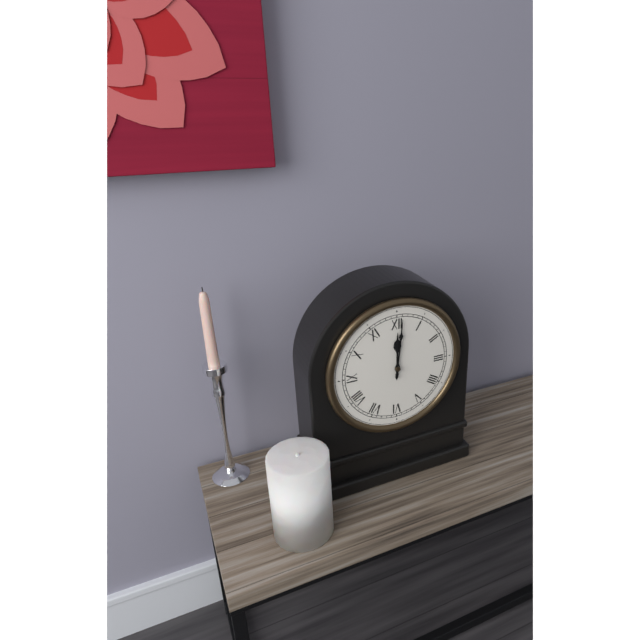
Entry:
12:01
